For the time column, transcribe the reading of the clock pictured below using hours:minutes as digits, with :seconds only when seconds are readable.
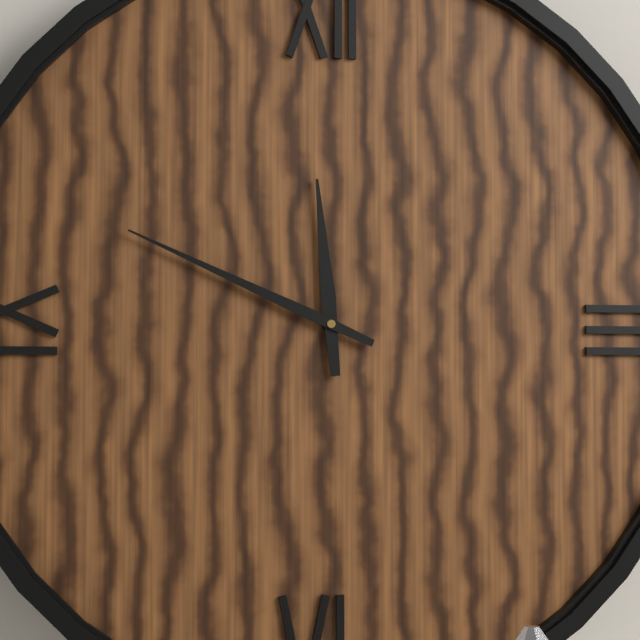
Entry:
11:49
